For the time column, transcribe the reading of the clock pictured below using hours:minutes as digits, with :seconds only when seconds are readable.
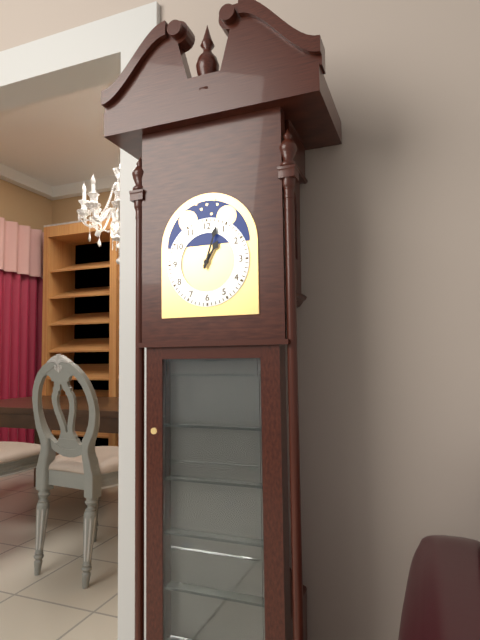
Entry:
1:03
